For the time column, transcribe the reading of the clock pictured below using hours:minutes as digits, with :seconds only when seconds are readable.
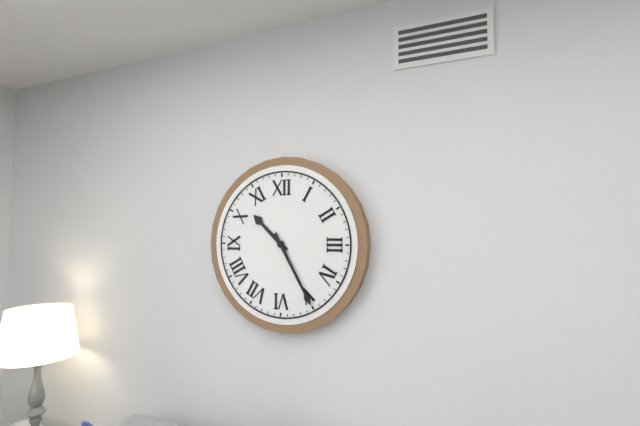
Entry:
10:25
